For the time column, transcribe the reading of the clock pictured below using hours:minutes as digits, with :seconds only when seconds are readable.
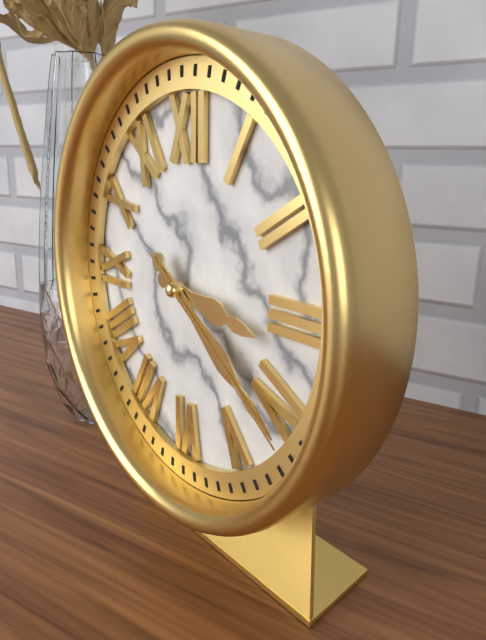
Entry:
3:21:21
